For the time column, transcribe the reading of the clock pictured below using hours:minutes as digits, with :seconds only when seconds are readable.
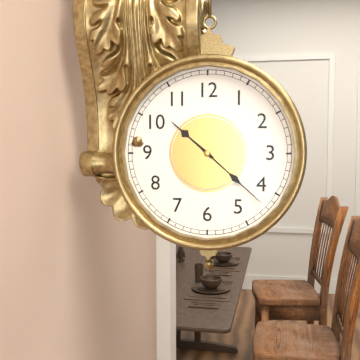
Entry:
10:22
